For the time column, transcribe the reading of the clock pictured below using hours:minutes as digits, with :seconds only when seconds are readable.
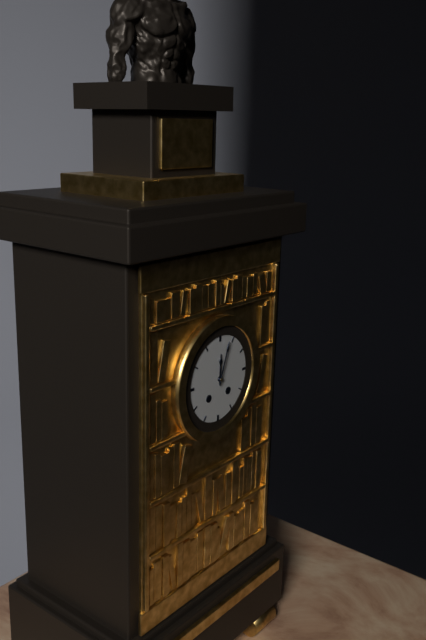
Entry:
12:03
